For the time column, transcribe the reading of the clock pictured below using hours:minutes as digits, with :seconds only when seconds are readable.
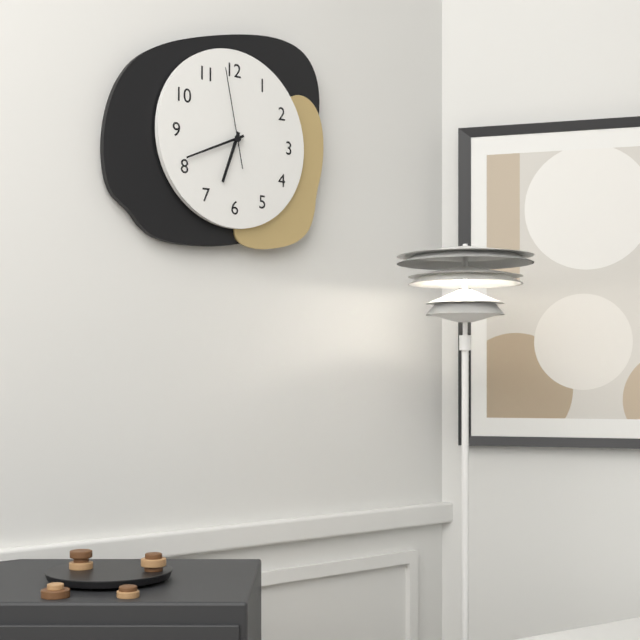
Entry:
6:41:58
